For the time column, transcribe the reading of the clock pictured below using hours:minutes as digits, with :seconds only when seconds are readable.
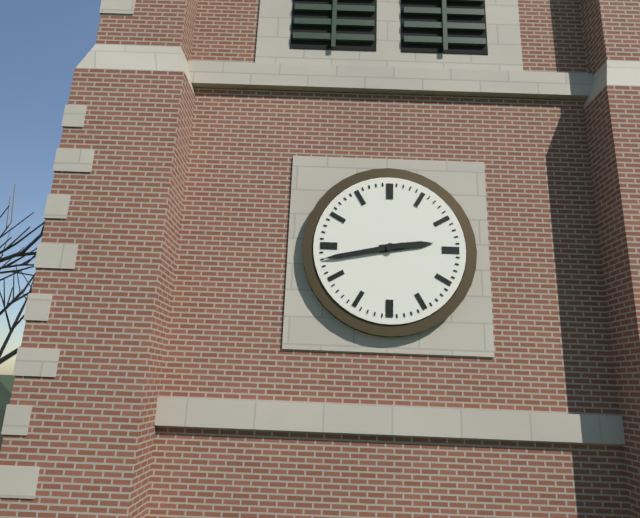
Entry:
2:43
